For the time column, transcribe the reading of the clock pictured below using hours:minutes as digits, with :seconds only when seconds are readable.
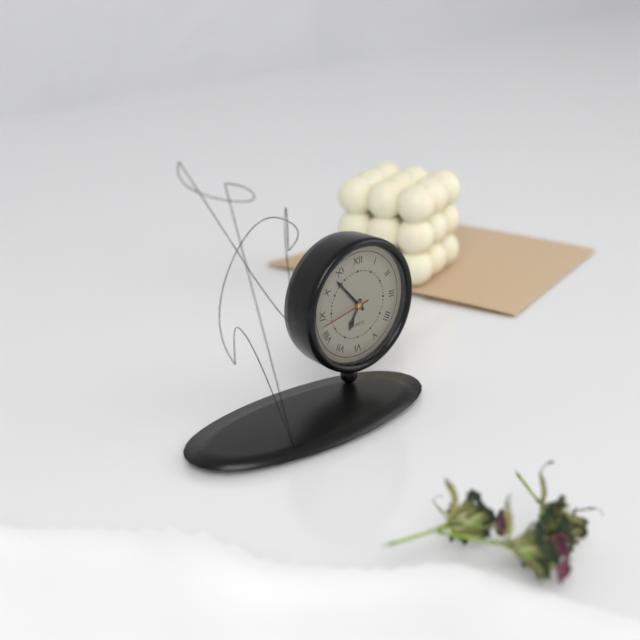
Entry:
6:53:43
